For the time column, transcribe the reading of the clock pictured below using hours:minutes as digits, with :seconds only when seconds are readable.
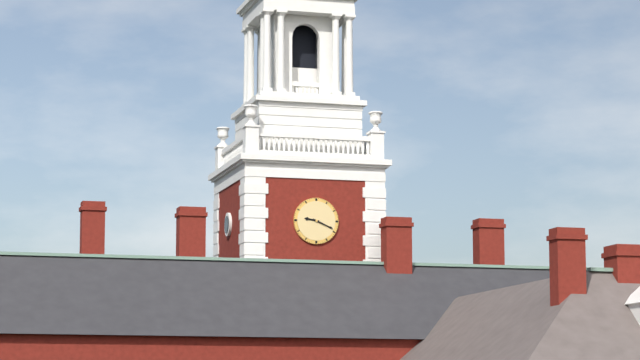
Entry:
9:19
